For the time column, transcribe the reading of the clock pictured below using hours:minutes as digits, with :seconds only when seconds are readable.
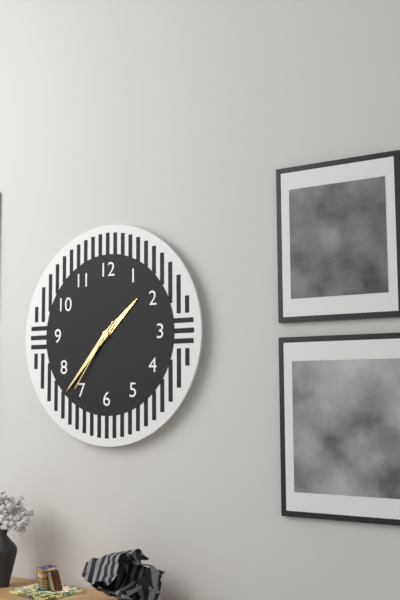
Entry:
1:37:36
